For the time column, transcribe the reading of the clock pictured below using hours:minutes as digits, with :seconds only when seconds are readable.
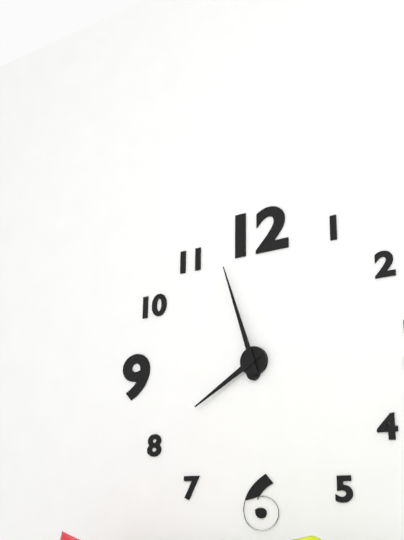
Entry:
7:57
